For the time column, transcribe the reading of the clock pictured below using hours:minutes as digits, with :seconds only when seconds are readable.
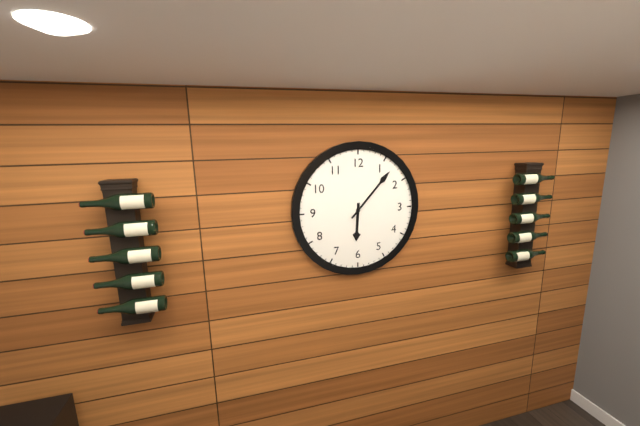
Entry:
6:07
